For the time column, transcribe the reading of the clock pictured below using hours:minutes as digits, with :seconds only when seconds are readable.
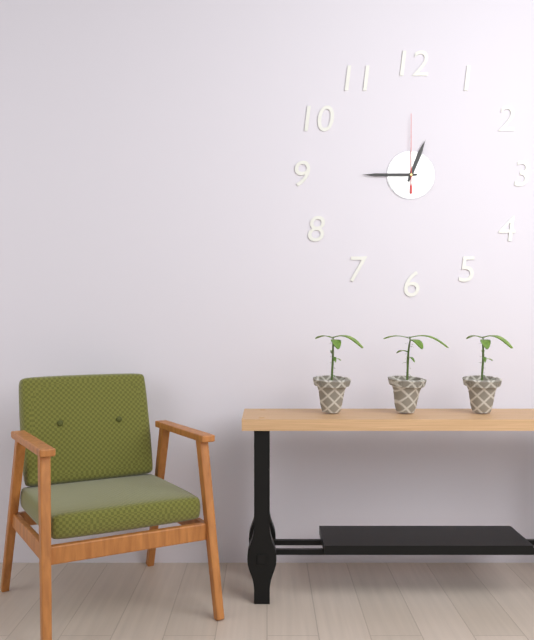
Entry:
12:45:00
